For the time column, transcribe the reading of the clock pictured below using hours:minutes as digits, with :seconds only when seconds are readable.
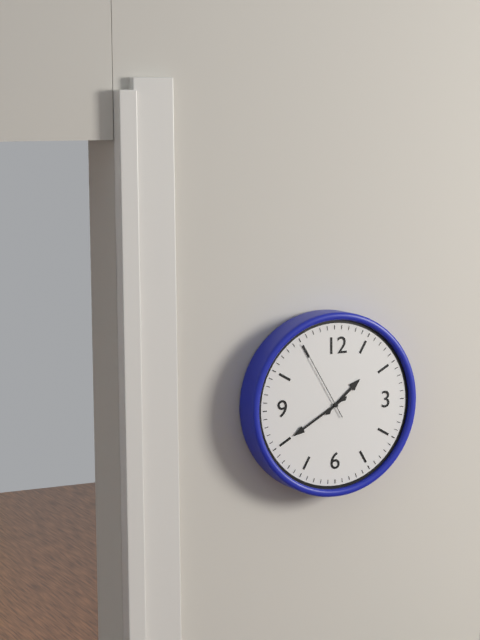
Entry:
1:40:55
